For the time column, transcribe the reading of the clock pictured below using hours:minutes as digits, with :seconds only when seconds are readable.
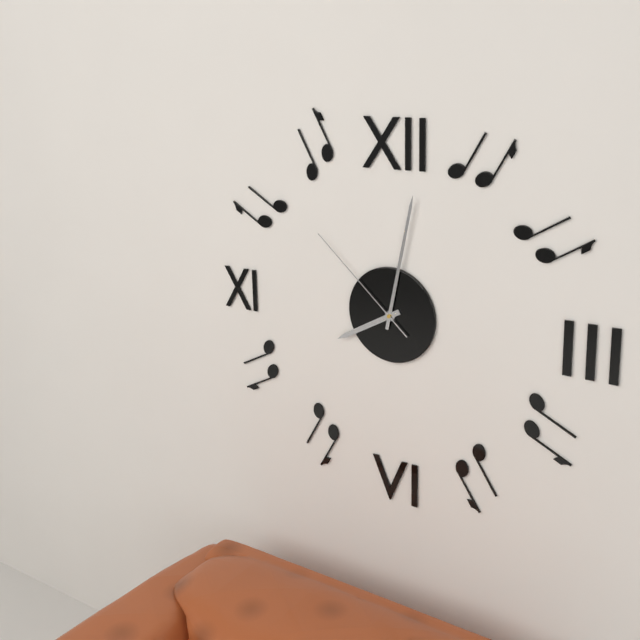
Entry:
8:02:52
